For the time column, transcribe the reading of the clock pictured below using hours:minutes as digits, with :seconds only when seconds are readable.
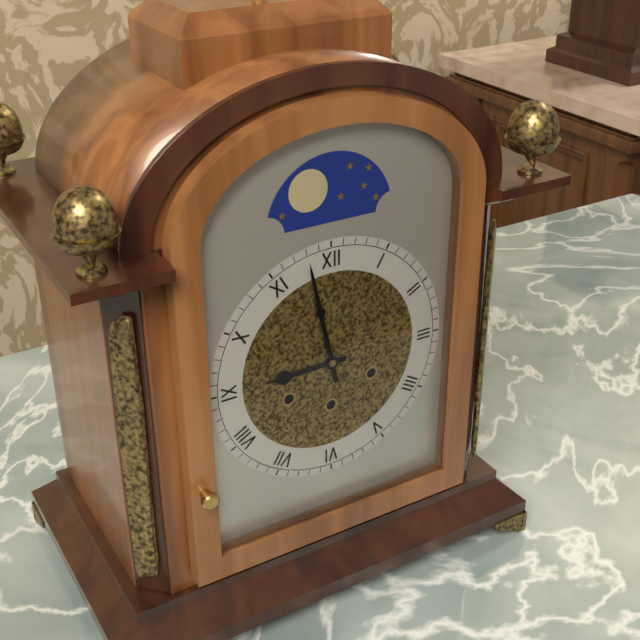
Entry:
8:58
